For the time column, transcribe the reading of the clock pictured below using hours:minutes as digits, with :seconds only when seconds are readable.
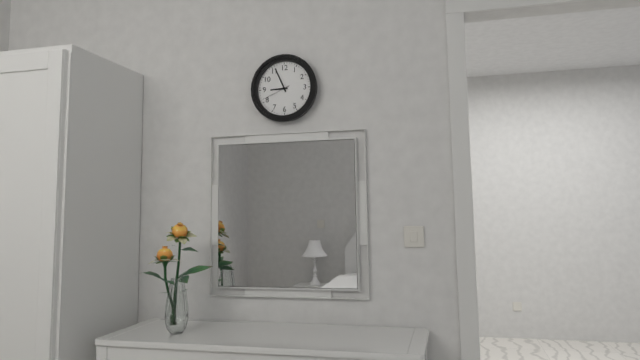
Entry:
8:56
